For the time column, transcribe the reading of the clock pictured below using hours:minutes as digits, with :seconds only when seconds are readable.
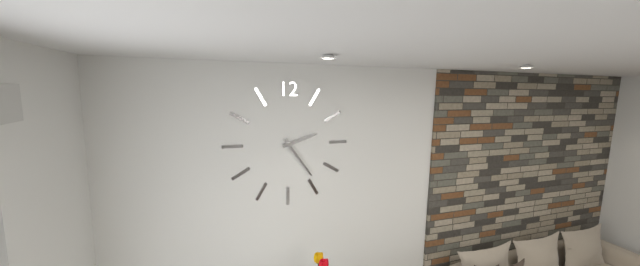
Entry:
2:24
